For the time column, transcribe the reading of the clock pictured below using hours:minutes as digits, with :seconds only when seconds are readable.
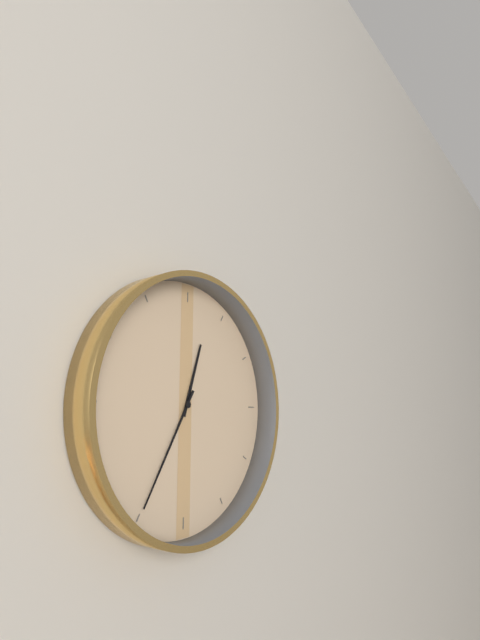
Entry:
12:35
